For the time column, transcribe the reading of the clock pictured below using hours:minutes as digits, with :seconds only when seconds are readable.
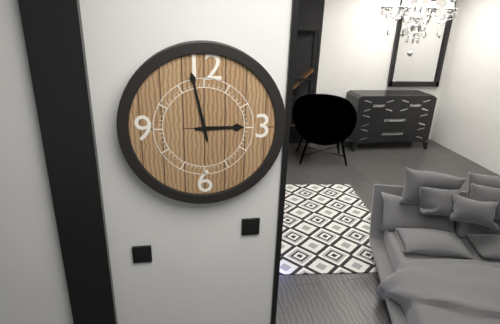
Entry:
2:58
